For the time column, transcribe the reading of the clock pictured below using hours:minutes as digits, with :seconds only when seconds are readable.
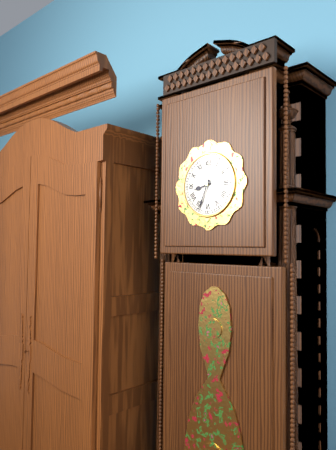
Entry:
8:34
